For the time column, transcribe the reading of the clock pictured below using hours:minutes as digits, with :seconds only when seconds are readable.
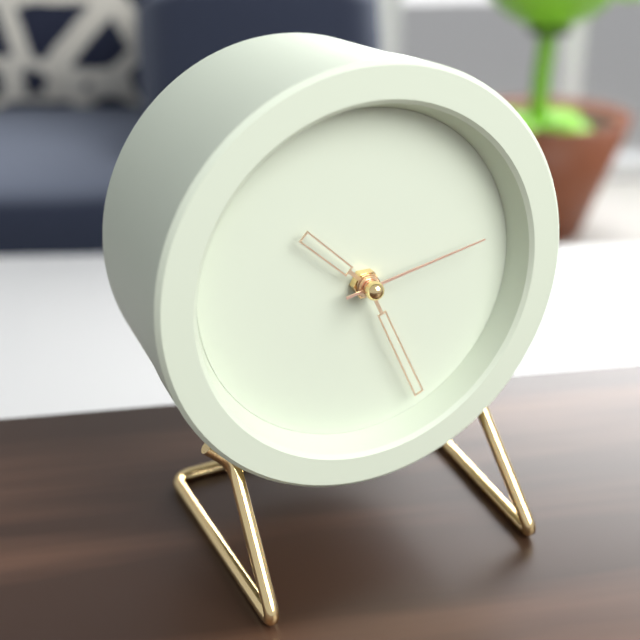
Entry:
10:26:13
